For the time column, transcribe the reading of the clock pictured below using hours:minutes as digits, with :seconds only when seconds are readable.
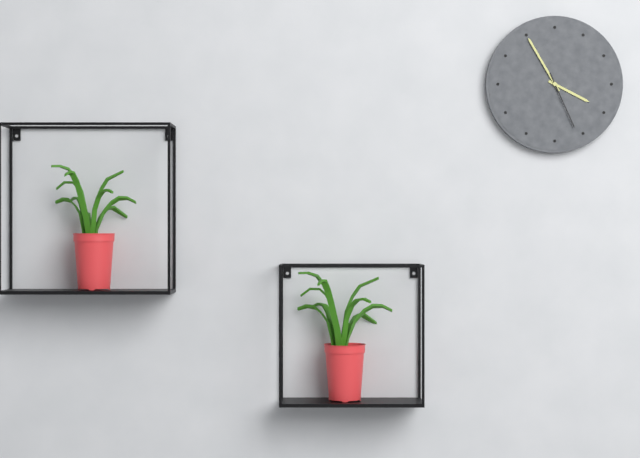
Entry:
3:55:26
